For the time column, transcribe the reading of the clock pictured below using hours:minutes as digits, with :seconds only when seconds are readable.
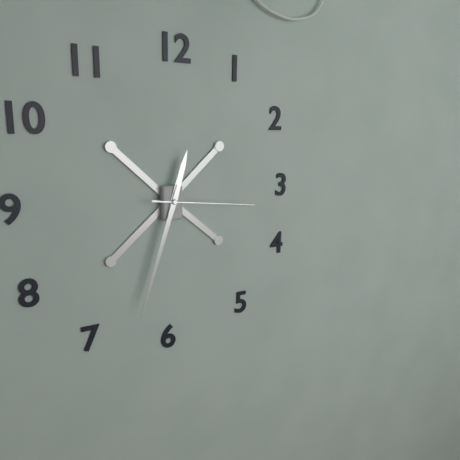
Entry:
12:33:16
